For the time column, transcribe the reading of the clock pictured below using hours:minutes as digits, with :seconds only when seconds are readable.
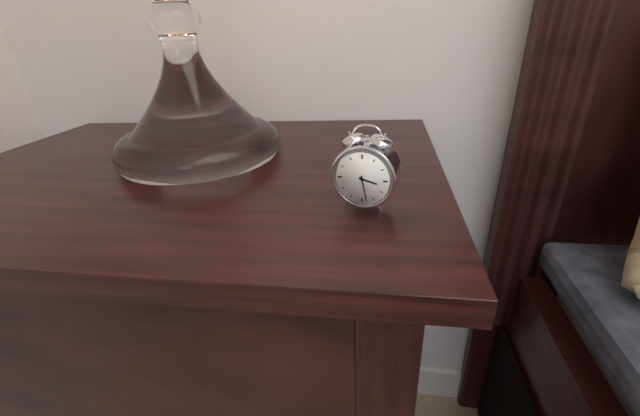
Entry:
3:28
